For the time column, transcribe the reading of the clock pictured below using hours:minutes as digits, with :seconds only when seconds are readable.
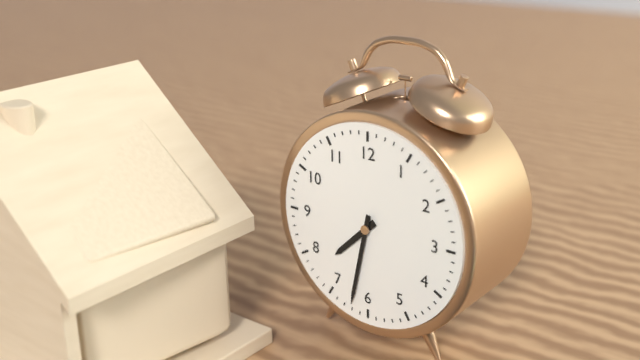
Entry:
7:32
